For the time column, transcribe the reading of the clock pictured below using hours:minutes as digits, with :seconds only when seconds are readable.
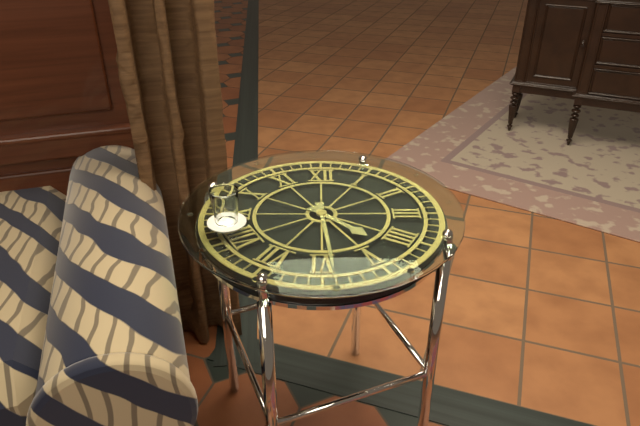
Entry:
4:29
